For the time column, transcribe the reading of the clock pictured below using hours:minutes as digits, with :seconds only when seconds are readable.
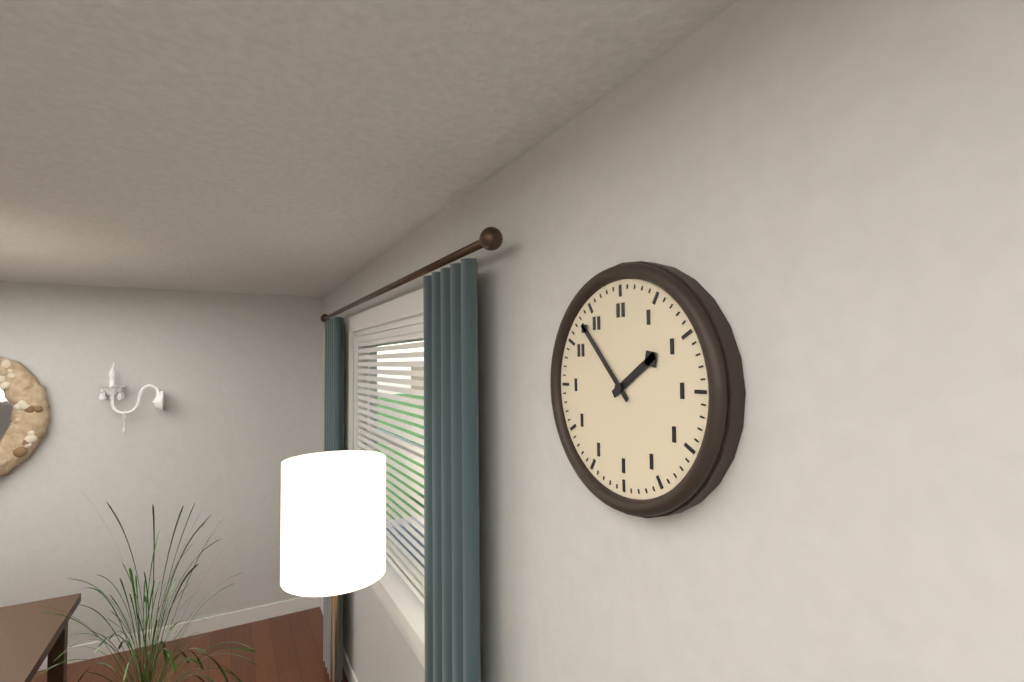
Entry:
1:53
